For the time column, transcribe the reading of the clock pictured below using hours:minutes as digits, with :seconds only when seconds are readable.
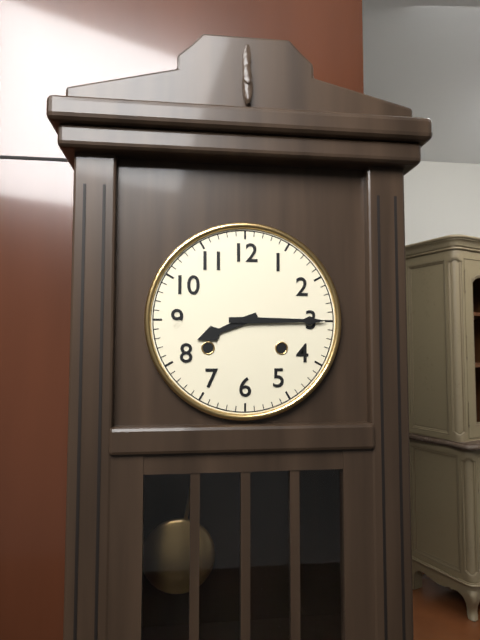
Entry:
8:15
